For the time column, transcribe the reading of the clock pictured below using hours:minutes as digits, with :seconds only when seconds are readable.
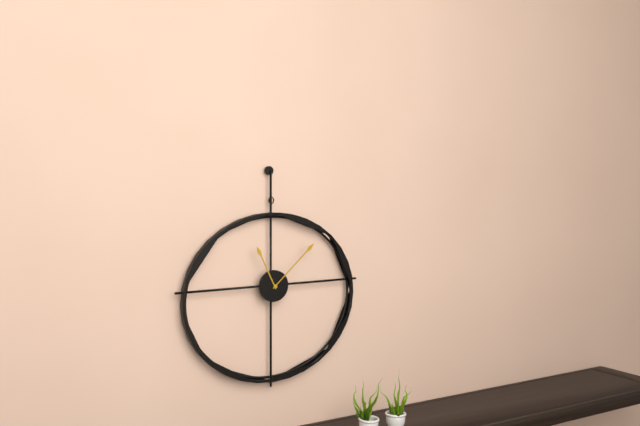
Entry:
11:08
